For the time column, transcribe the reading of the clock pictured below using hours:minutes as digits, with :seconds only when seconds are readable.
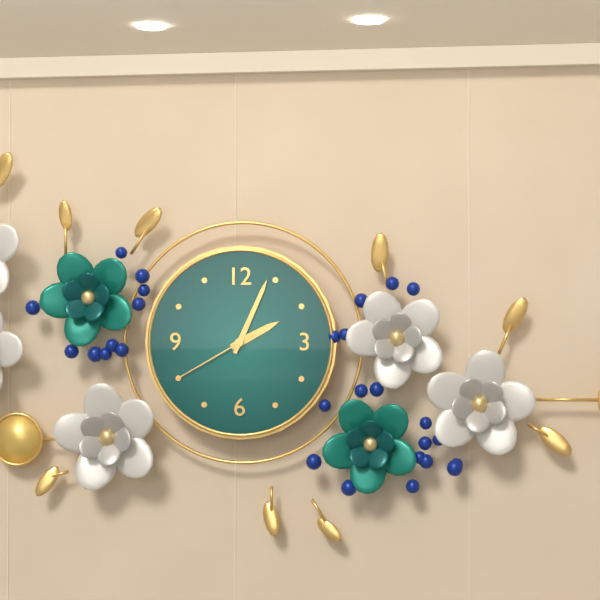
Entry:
2:04:40
